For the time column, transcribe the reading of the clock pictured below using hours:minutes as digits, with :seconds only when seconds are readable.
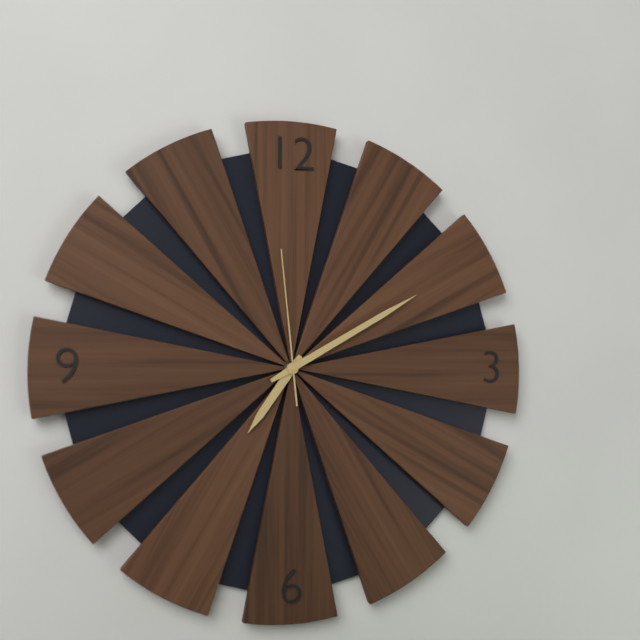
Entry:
7:10:59
